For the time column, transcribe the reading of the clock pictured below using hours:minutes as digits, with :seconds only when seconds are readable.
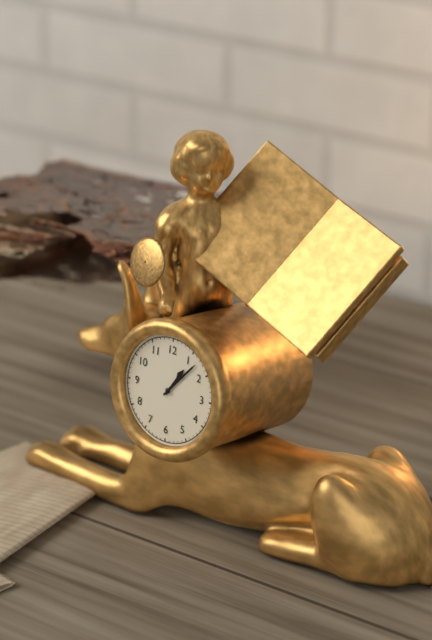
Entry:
1:07
